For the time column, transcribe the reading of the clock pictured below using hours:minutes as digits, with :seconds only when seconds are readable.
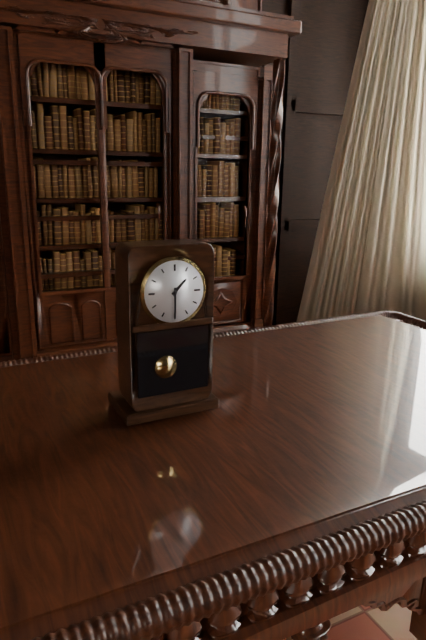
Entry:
1:30
